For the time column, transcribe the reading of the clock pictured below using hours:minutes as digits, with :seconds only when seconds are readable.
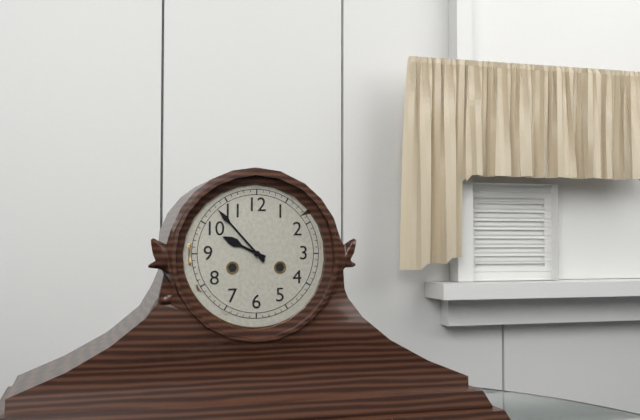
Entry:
9:53
